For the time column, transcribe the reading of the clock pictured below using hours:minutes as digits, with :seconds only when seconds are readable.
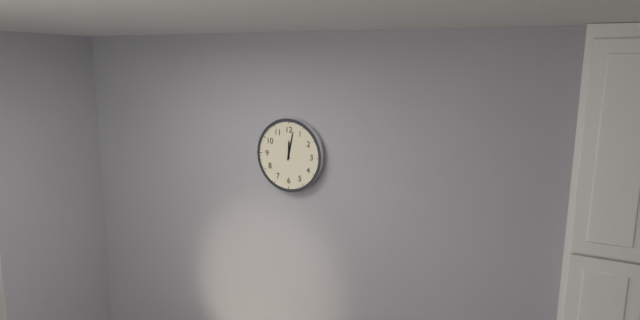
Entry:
12:02
